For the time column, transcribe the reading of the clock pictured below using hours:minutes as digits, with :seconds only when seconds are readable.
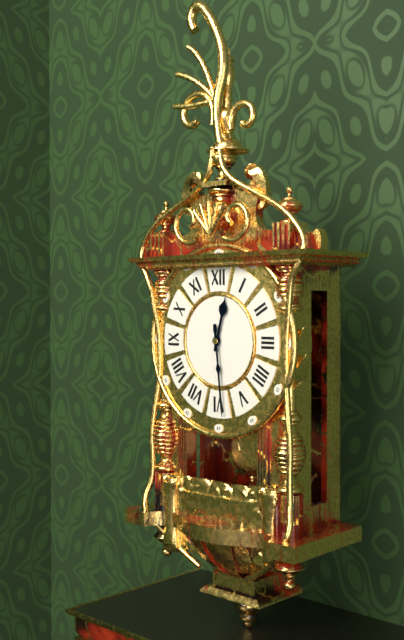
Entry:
12:29
